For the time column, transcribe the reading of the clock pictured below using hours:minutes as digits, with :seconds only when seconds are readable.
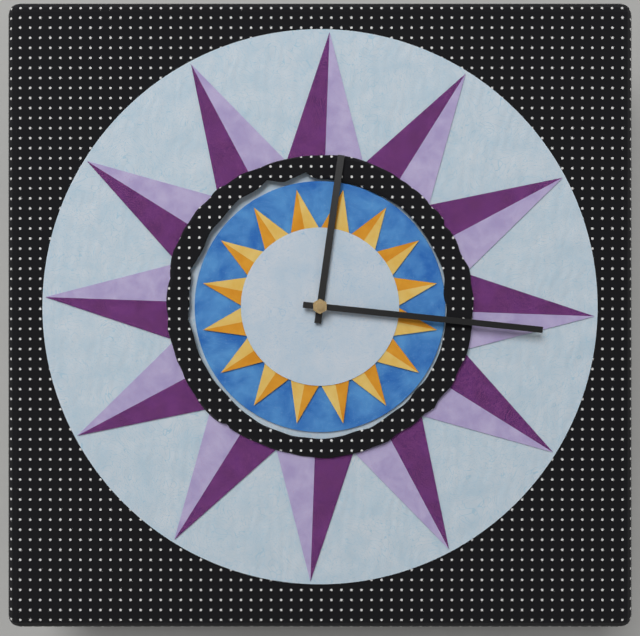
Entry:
12:16
